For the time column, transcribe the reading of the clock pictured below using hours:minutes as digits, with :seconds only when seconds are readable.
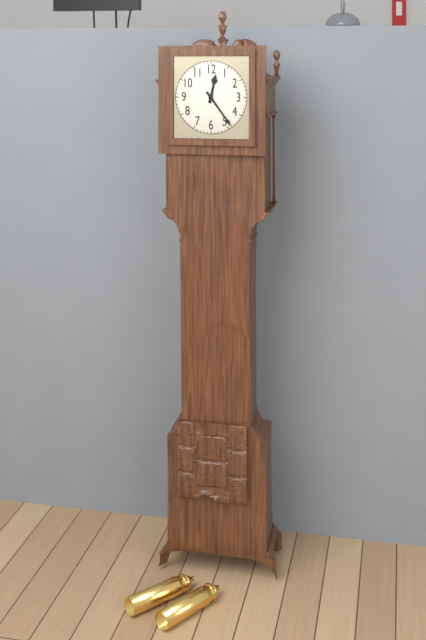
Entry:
12:24
